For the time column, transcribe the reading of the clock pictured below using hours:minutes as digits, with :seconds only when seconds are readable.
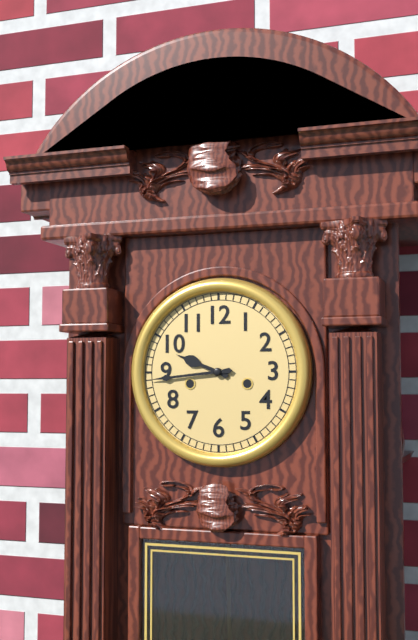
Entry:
9:44
